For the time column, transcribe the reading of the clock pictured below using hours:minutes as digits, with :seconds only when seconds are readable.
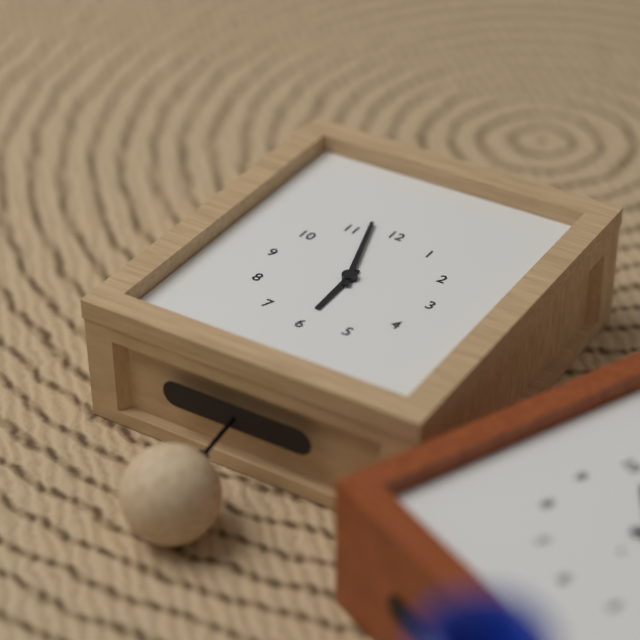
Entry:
5:57
